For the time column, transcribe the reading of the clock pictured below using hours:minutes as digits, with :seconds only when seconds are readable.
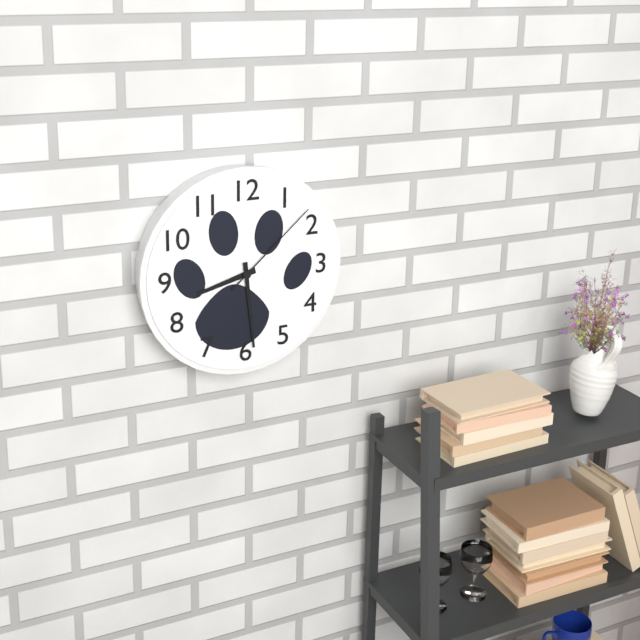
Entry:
8:29:08
